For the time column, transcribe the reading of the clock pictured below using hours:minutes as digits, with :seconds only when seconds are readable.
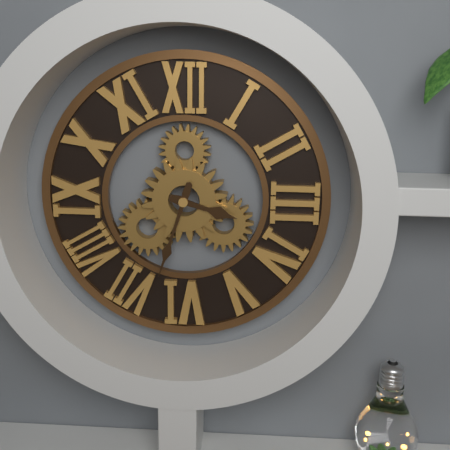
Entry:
3:33
